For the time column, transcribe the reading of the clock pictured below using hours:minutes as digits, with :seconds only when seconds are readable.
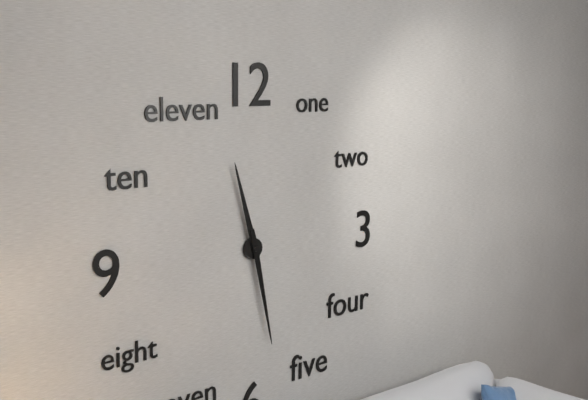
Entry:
11:28
